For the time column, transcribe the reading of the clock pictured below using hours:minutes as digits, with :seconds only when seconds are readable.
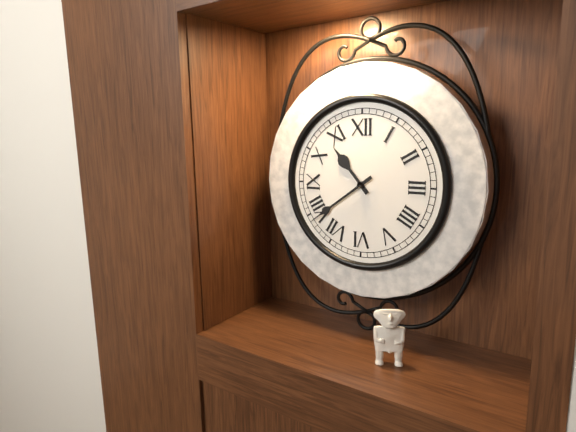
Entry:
10:39
